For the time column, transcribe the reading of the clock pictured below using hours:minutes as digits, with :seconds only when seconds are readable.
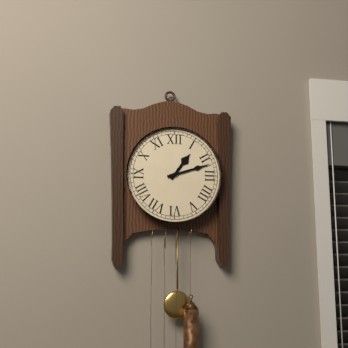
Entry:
1:12
